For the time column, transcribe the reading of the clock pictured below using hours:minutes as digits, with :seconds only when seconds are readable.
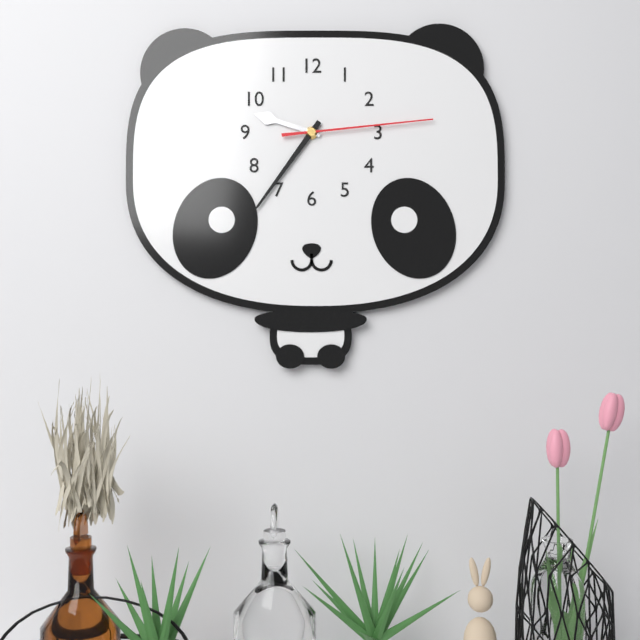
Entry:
9:36:14
